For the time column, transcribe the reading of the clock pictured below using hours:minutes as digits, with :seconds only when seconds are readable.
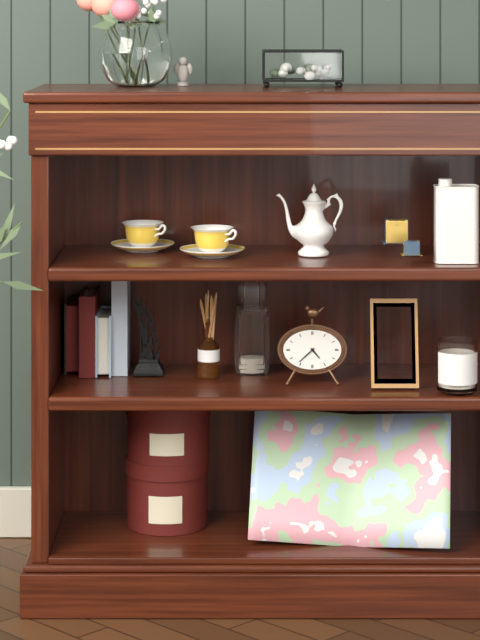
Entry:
4:38
